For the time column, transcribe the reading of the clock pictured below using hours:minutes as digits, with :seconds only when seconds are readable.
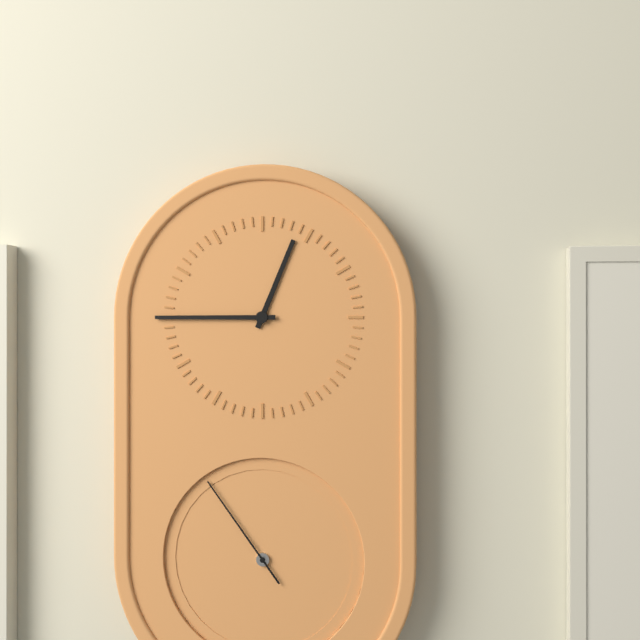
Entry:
12:45:54
